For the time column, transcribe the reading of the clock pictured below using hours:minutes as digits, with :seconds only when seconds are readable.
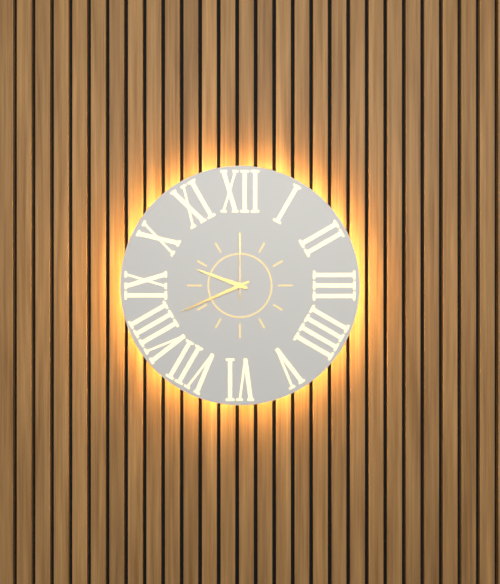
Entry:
9:41:00
